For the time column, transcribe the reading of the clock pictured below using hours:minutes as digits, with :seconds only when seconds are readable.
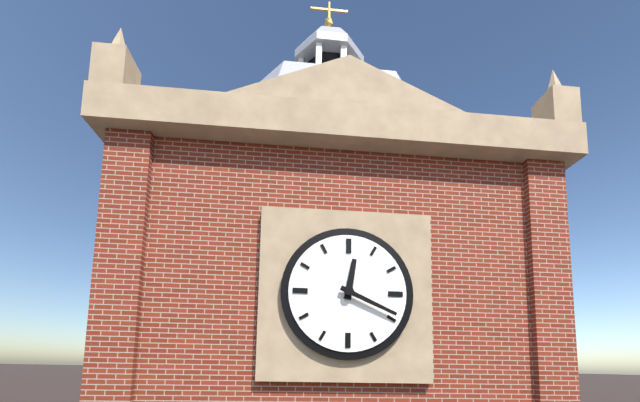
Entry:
12:19
